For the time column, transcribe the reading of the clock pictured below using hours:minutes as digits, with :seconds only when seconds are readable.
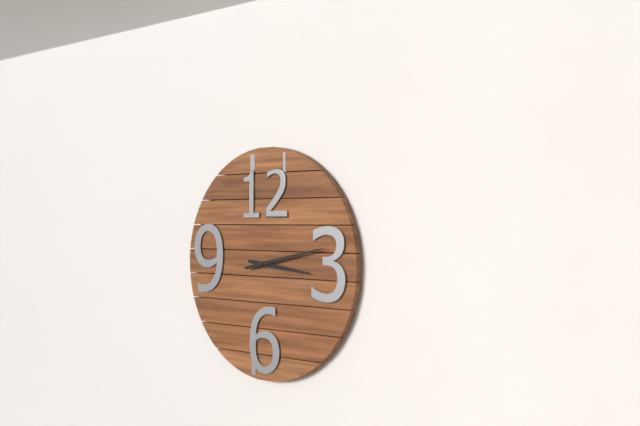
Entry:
3:13
